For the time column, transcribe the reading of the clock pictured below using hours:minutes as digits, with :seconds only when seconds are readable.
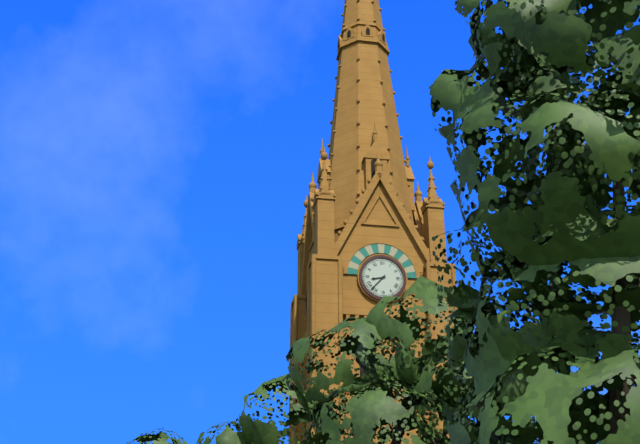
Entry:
8:37
